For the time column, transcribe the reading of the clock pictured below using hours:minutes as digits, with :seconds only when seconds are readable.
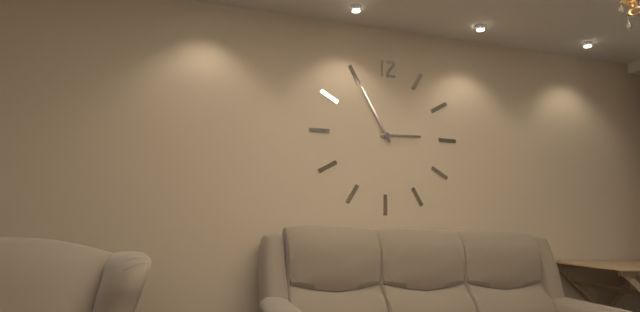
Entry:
2:55
